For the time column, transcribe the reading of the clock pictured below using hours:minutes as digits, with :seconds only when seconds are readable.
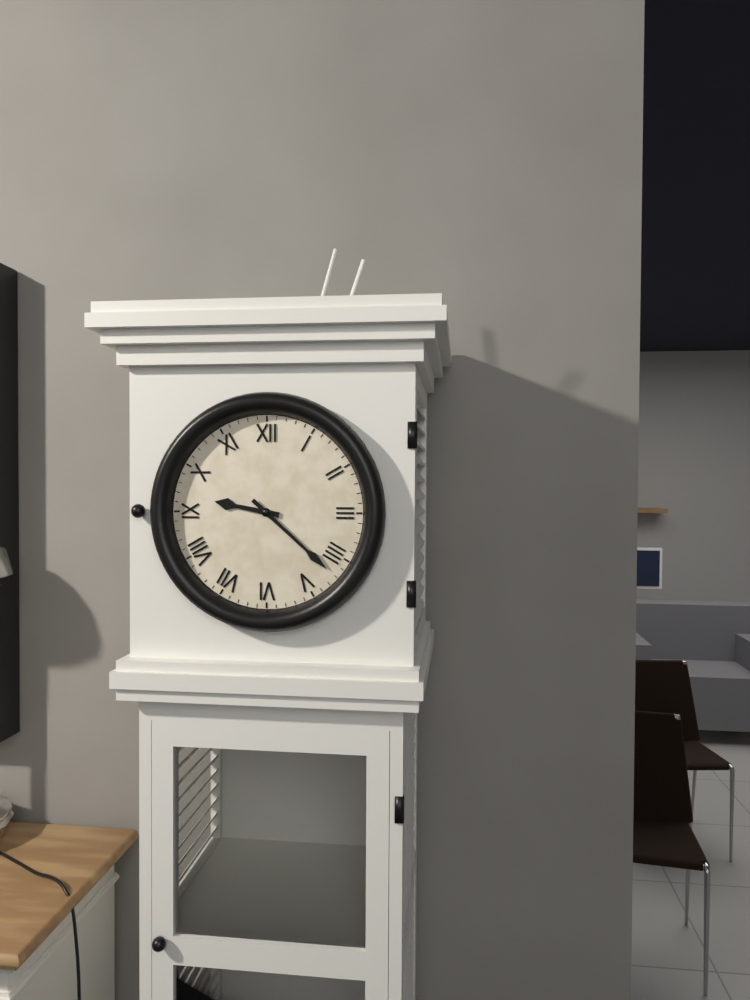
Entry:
9:22
